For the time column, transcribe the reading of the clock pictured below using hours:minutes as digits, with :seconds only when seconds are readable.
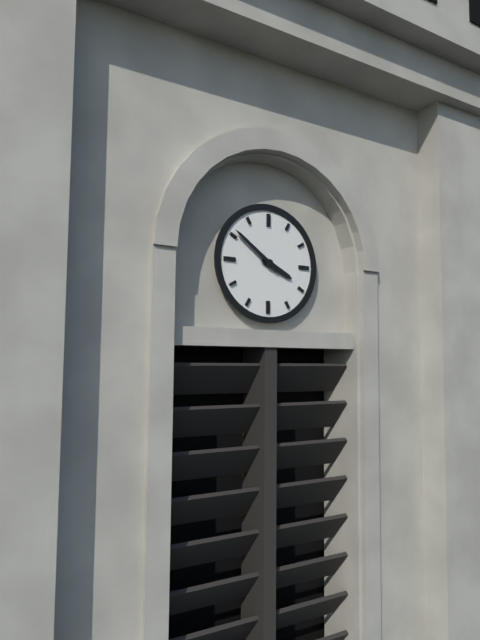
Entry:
3:51
